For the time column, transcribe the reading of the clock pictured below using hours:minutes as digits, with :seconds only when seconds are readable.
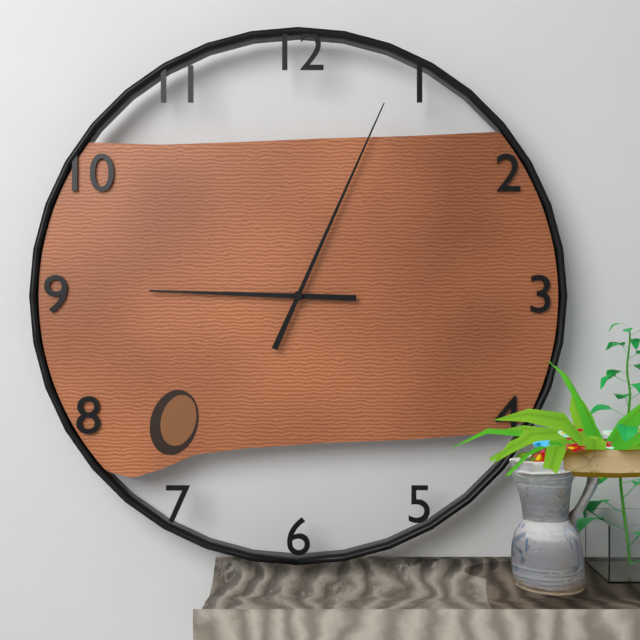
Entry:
9:04
